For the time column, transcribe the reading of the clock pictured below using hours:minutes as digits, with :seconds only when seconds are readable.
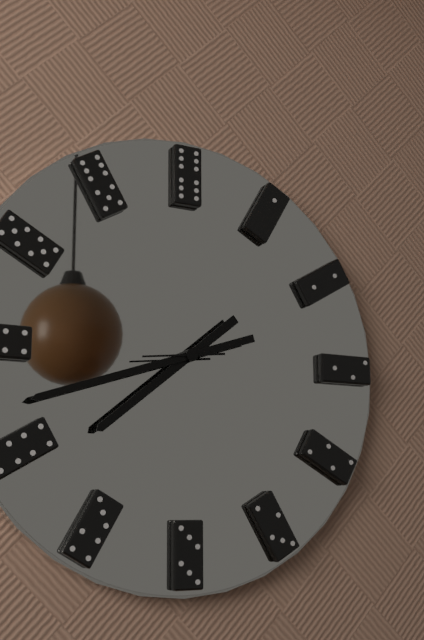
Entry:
7:42
